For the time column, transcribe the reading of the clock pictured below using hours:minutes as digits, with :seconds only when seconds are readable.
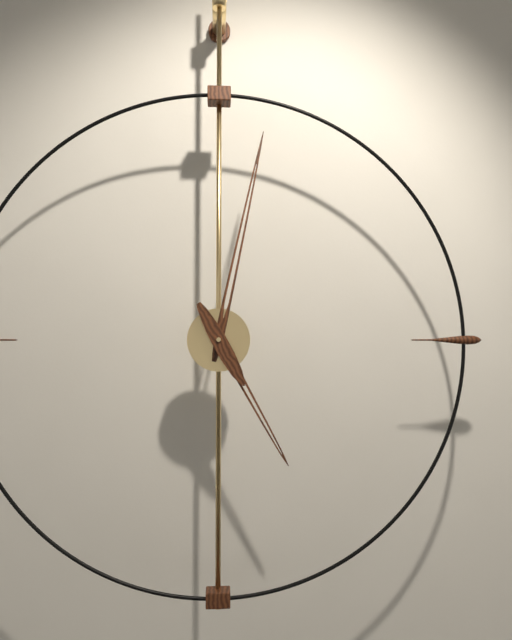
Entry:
5:02
